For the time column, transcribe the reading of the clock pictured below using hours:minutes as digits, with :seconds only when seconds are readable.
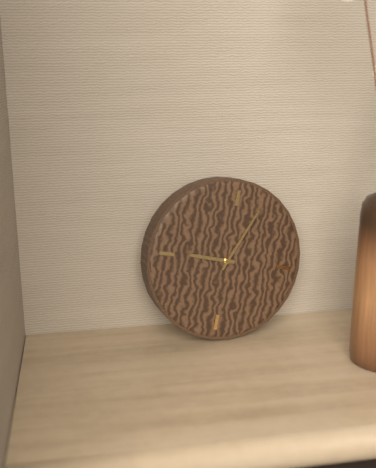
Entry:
9:04
